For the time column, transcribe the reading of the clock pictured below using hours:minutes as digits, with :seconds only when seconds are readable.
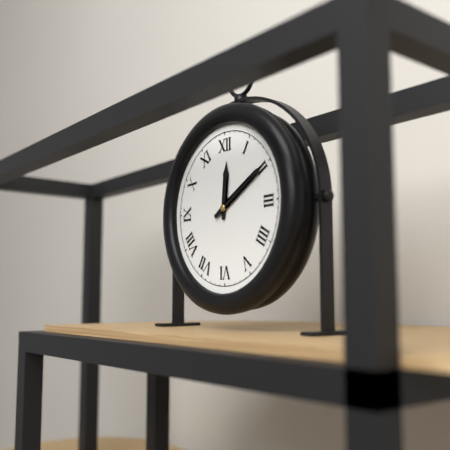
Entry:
12:10
